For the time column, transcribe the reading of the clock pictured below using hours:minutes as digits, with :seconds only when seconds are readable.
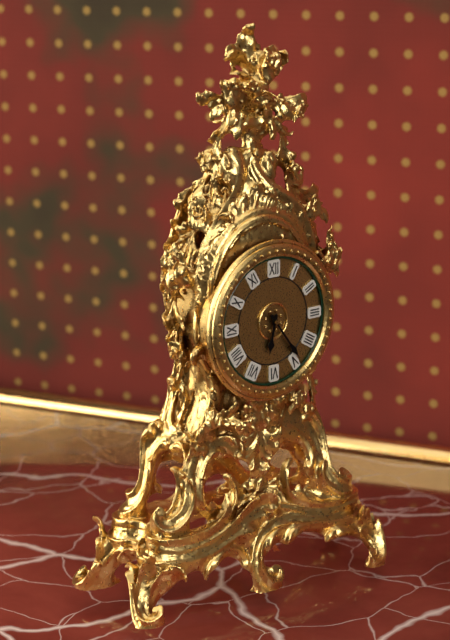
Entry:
6:24
